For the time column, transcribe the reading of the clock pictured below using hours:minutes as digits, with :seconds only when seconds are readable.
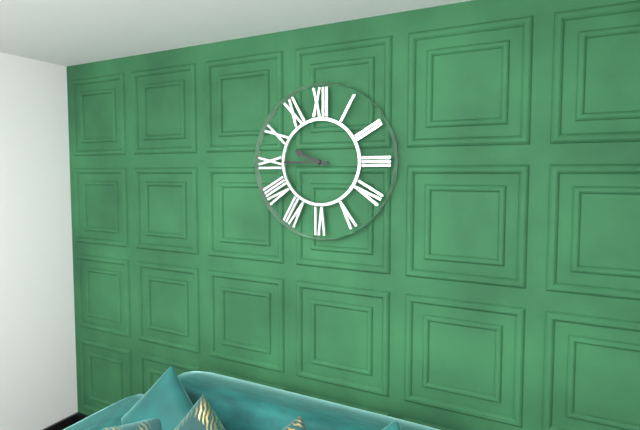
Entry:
9:45
